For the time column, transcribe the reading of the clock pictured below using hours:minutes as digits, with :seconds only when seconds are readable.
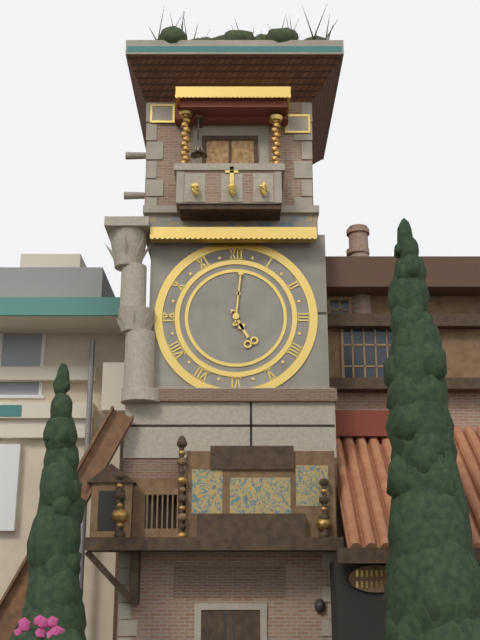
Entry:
5:01
